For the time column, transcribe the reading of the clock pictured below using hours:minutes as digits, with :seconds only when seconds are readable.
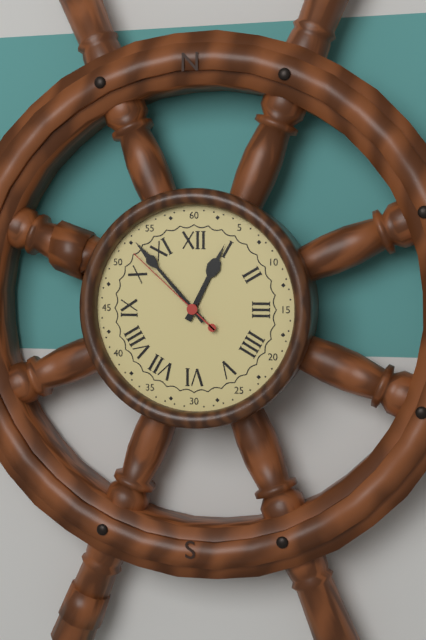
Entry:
12:53:52
